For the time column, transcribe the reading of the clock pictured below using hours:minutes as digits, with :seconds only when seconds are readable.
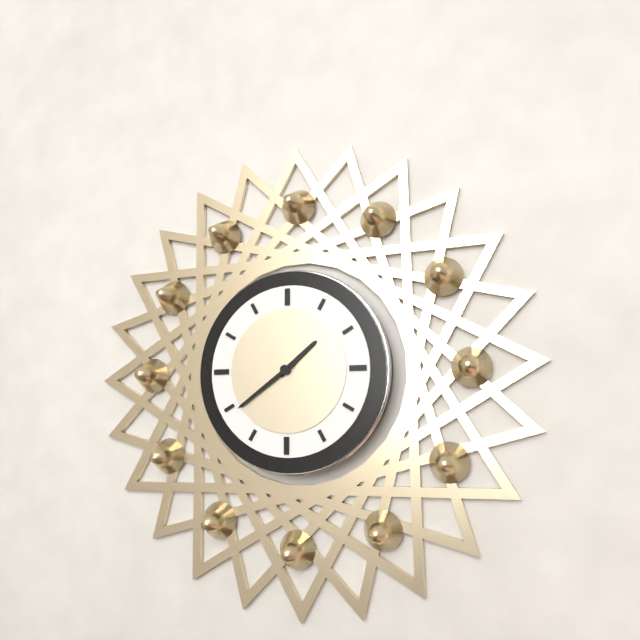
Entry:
1:39
